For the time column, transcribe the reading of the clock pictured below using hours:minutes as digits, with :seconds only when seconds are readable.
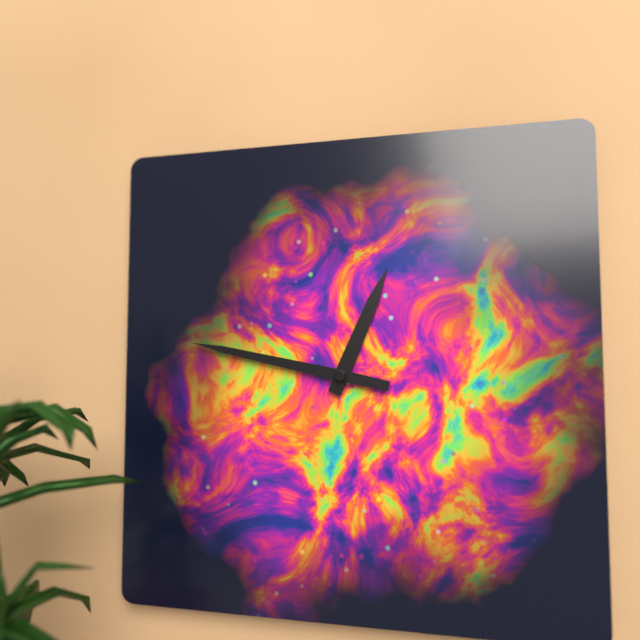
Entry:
12:47
